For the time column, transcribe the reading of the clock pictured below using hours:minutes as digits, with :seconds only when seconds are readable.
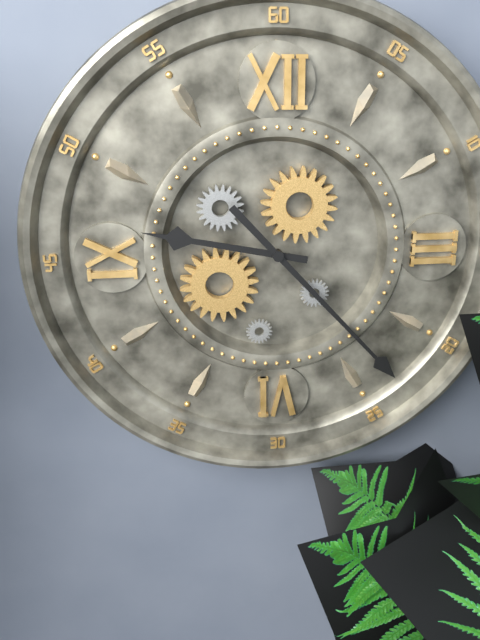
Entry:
9:23
